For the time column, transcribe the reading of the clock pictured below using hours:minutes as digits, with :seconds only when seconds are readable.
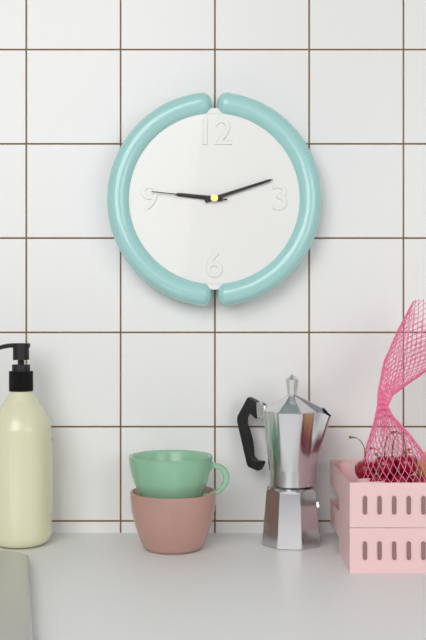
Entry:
9:12:46
